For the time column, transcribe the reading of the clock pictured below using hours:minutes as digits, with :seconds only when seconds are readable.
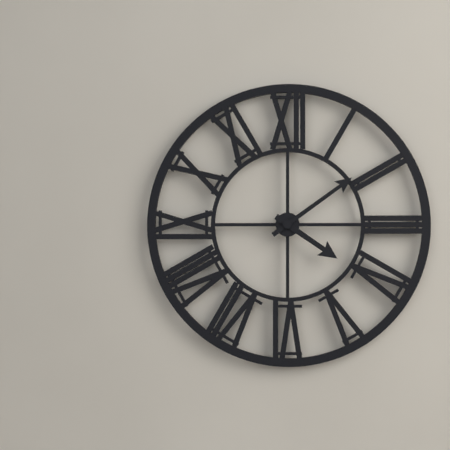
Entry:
4:09
